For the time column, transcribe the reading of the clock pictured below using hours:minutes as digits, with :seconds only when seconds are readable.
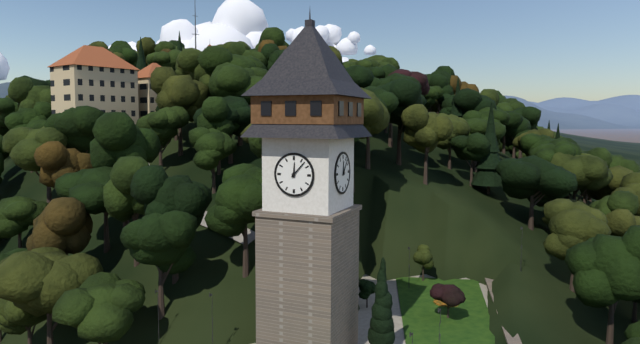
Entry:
12:07
